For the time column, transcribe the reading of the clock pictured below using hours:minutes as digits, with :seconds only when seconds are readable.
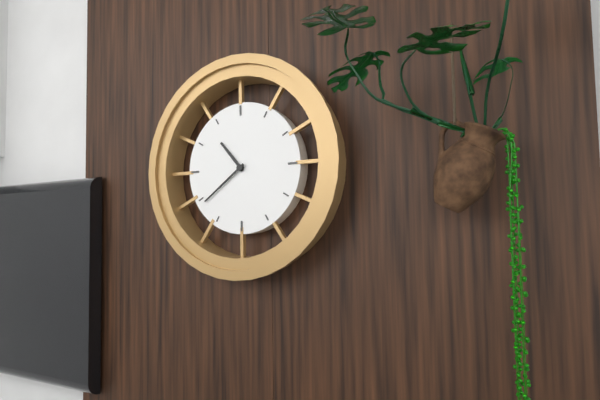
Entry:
10:39
